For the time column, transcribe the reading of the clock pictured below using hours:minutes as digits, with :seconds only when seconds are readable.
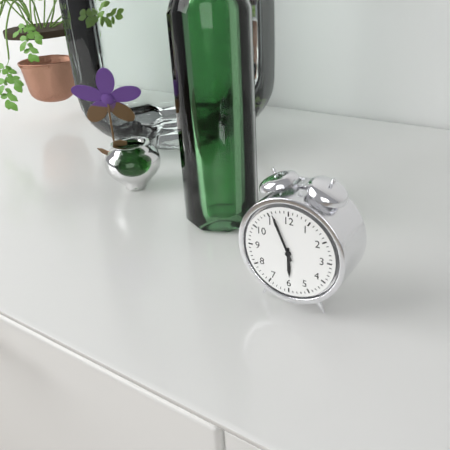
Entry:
5:56
